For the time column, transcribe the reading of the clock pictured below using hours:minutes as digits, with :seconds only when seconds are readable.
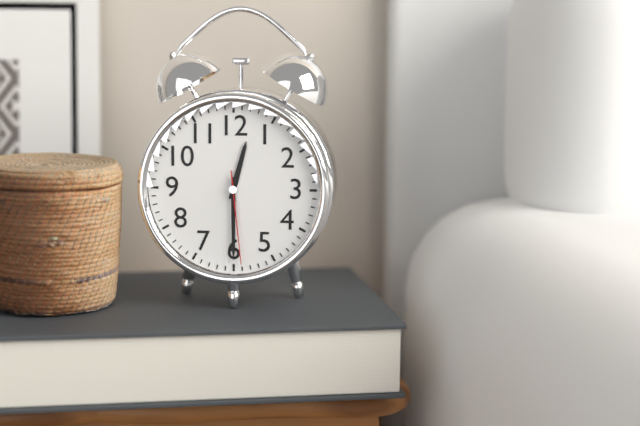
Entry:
12:30:29
